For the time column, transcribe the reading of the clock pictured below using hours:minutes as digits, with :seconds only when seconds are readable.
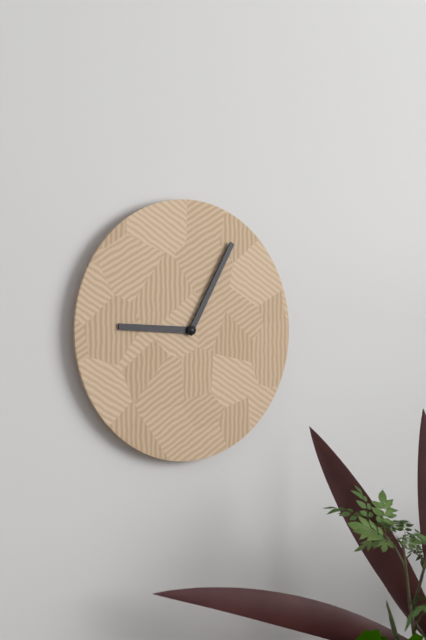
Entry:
9:05
